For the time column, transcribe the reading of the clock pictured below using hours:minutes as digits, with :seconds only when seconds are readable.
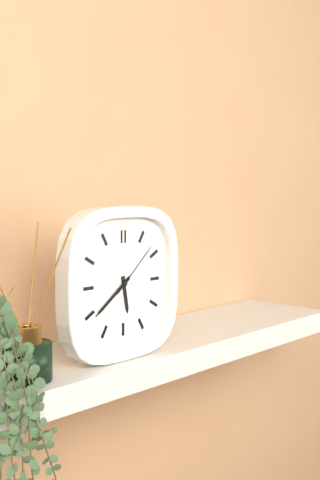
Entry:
5:39:08
